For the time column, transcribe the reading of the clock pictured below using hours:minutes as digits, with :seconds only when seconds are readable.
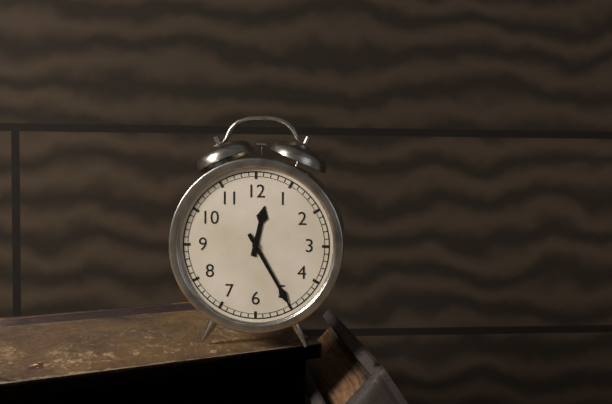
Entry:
12:25
